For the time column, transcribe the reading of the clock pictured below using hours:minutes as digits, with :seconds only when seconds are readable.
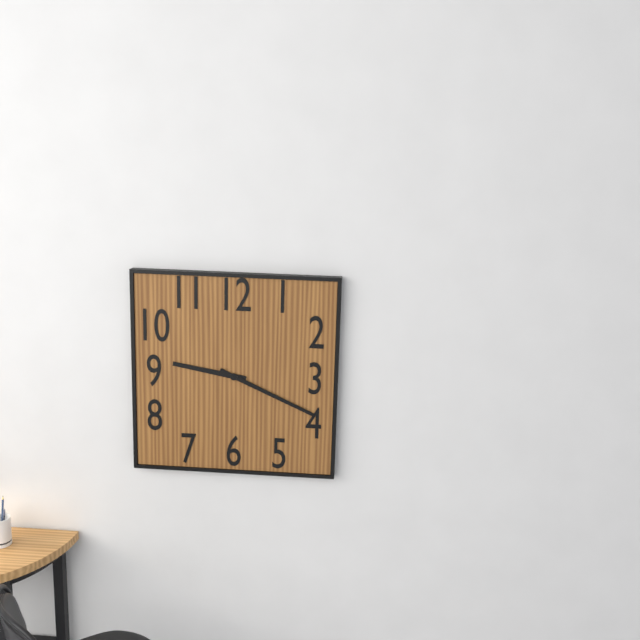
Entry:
9:19
